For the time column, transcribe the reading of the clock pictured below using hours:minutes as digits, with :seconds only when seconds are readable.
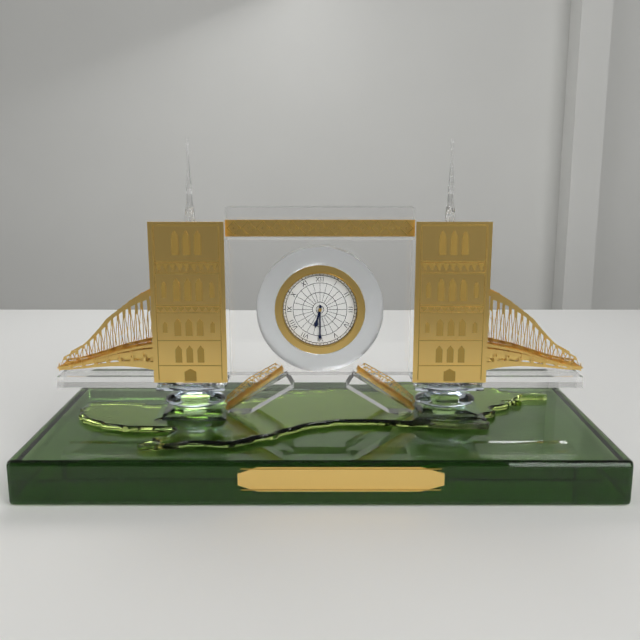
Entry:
6:30
